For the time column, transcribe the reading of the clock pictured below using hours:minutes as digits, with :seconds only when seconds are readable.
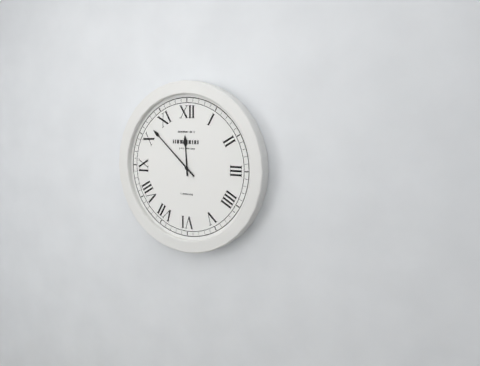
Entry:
11:52
